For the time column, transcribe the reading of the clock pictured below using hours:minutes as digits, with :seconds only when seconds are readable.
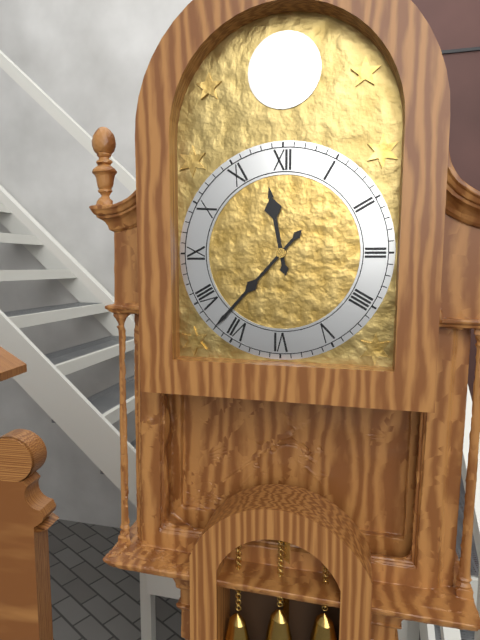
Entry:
11:37
